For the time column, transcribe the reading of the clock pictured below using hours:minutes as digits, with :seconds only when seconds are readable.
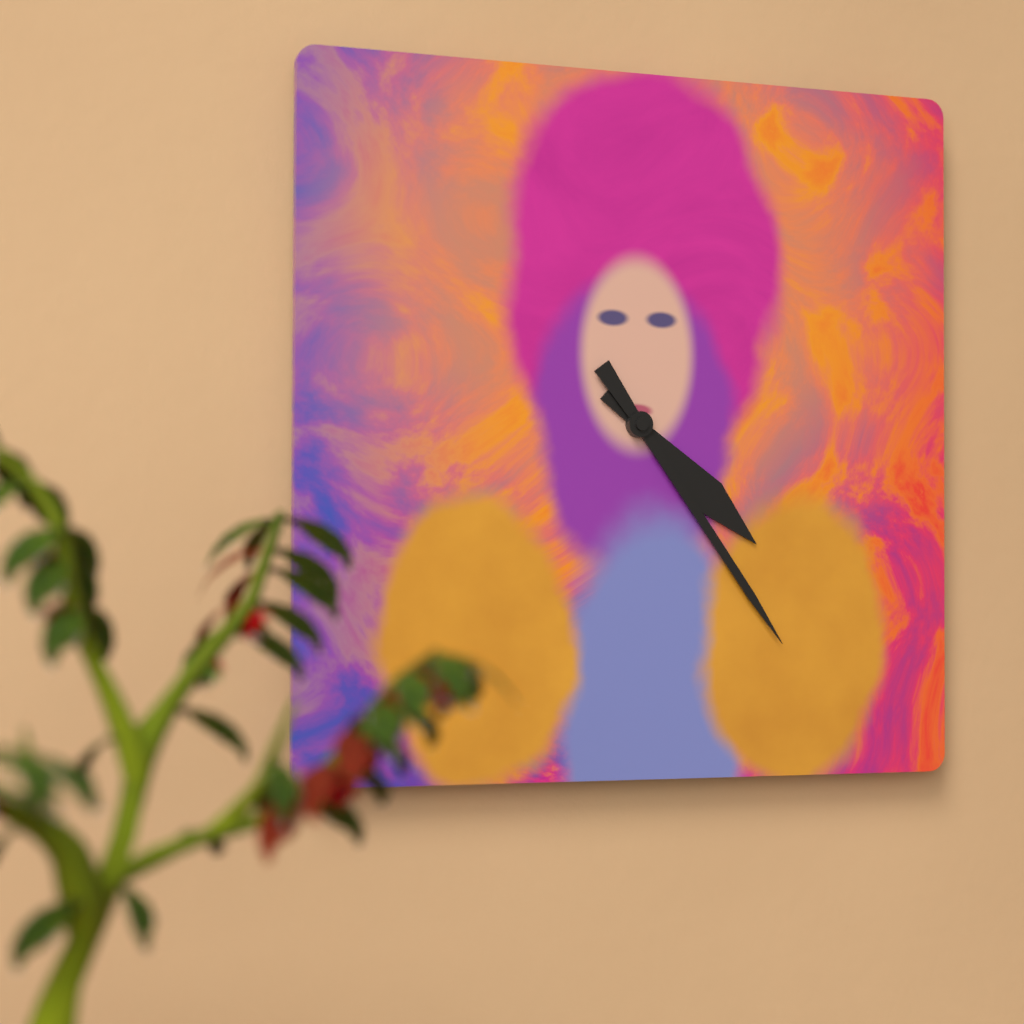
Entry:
4:24
